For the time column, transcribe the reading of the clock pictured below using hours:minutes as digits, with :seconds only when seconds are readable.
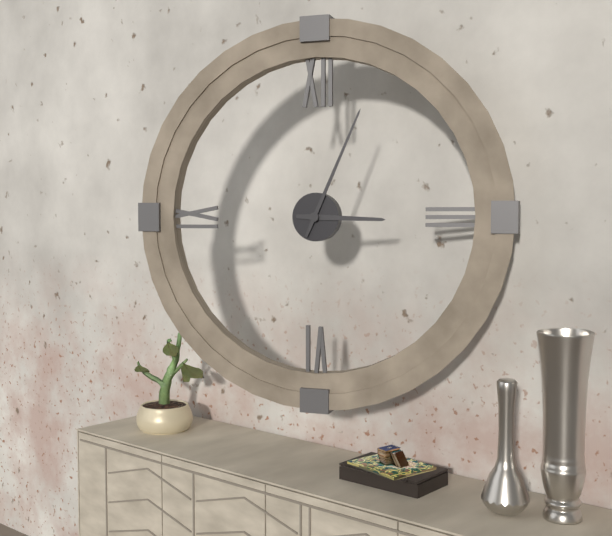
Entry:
3:04
